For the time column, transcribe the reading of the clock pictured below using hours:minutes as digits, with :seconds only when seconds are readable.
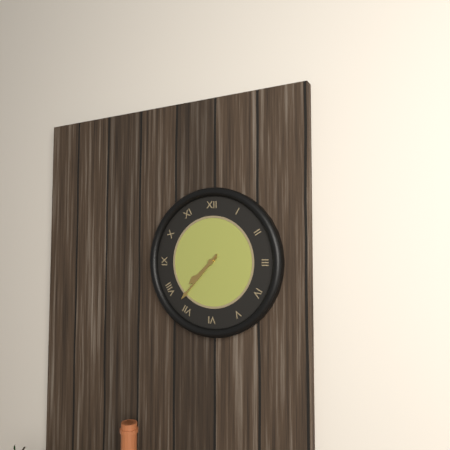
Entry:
7:37
